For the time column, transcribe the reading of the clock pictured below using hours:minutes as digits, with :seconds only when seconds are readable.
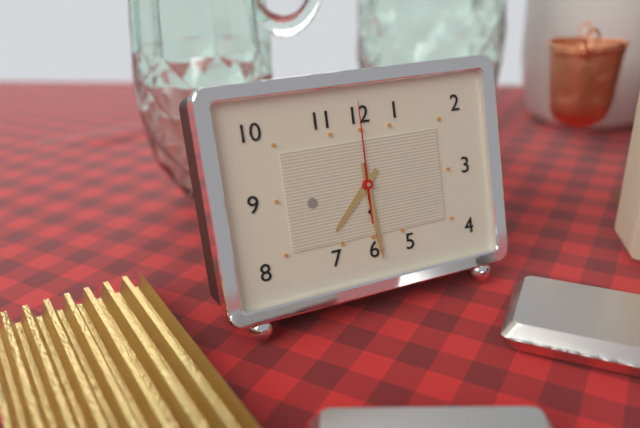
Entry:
7:29:00
